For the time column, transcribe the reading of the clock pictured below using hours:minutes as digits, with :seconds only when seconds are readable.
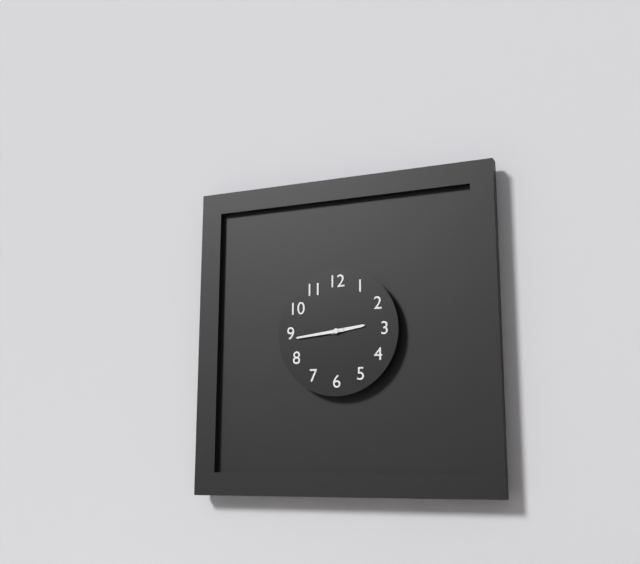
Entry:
2:44
